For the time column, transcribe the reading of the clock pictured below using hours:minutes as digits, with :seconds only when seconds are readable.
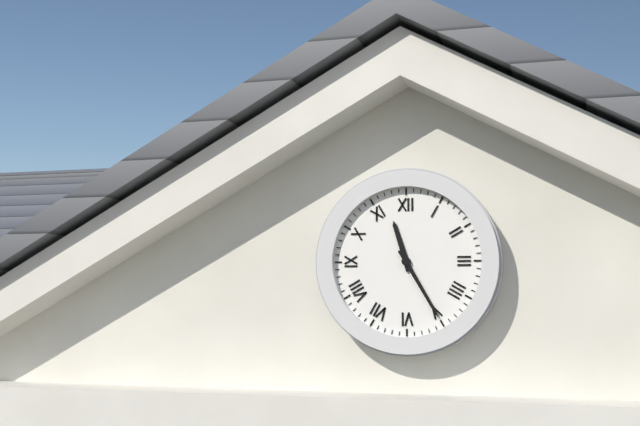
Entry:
11:25
